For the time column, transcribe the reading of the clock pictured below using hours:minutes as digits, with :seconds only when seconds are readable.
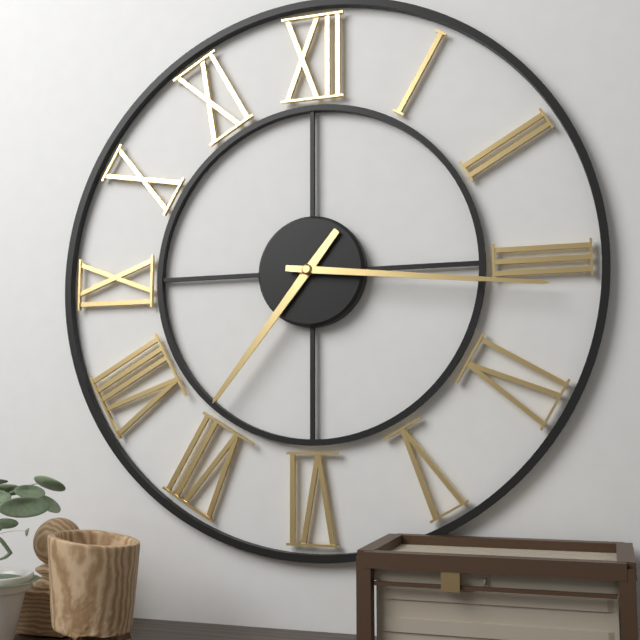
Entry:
7:16
